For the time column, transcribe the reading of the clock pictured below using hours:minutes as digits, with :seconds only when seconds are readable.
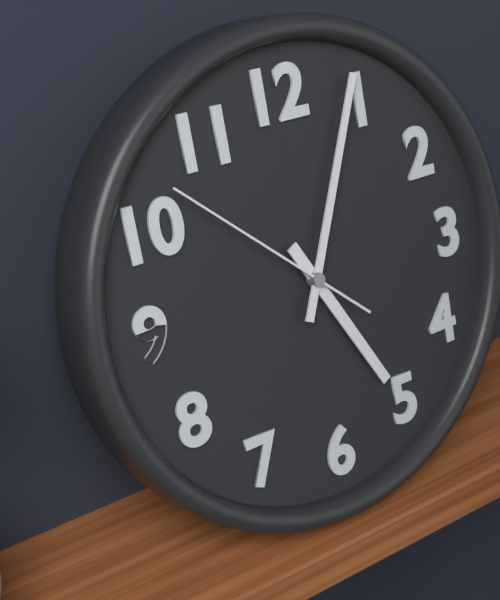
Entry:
5:04:52
